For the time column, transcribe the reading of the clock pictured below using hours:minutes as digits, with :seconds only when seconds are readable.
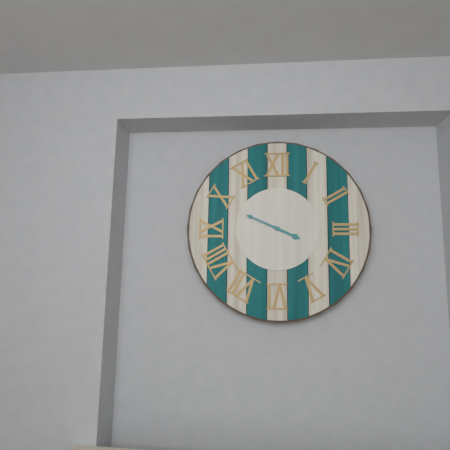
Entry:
3:49
